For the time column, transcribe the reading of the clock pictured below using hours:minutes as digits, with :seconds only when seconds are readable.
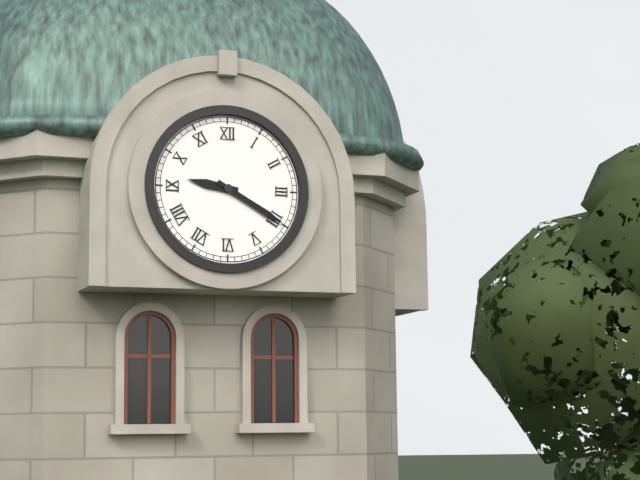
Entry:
9:20
